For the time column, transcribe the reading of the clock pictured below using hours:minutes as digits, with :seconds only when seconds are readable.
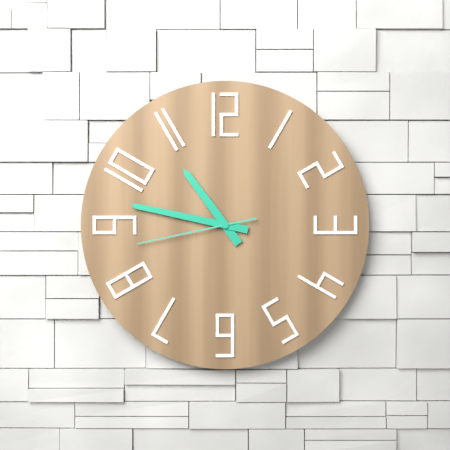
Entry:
10:47:43
